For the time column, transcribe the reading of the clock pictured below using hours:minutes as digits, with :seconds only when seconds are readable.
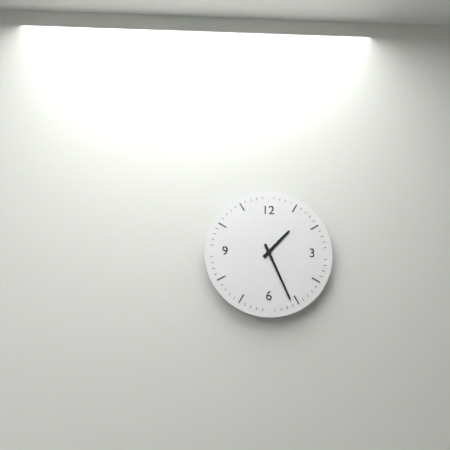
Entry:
1:26
